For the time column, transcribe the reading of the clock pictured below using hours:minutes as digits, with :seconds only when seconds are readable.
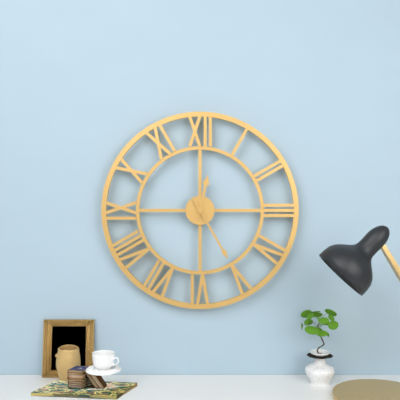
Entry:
12:25
